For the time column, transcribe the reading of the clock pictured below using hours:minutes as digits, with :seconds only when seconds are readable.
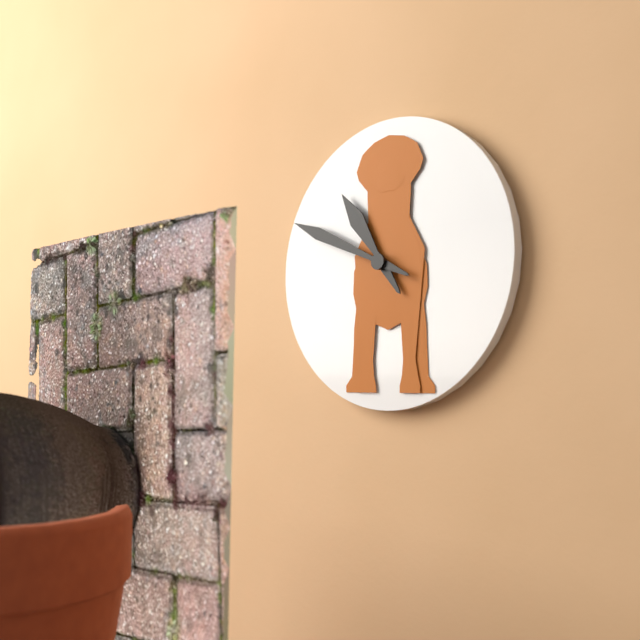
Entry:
10:49
